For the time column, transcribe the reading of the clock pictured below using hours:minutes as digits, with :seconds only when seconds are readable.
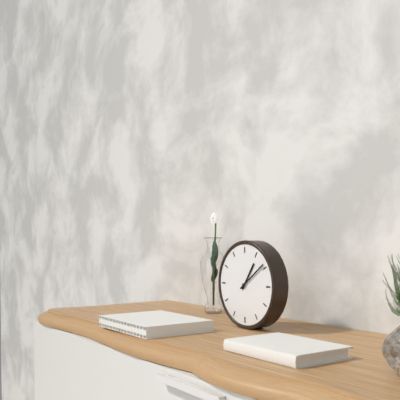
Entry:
1:09
